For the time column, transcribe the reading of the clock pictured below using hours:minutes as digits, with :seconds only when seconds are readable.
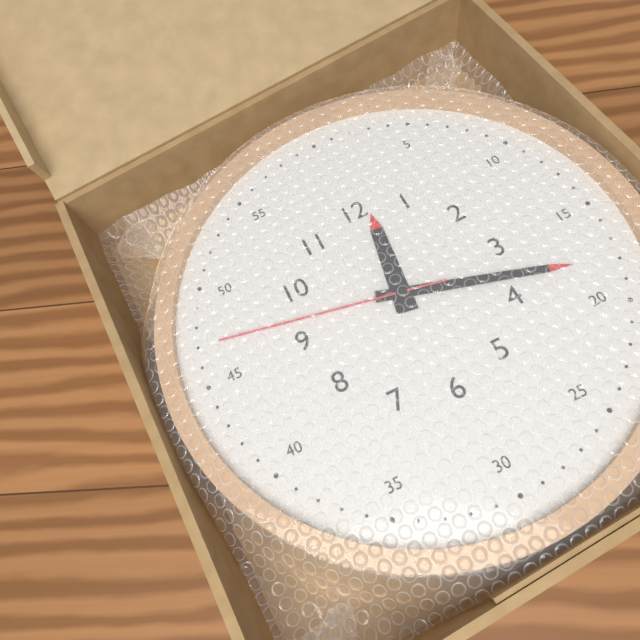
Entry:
12:18:47
